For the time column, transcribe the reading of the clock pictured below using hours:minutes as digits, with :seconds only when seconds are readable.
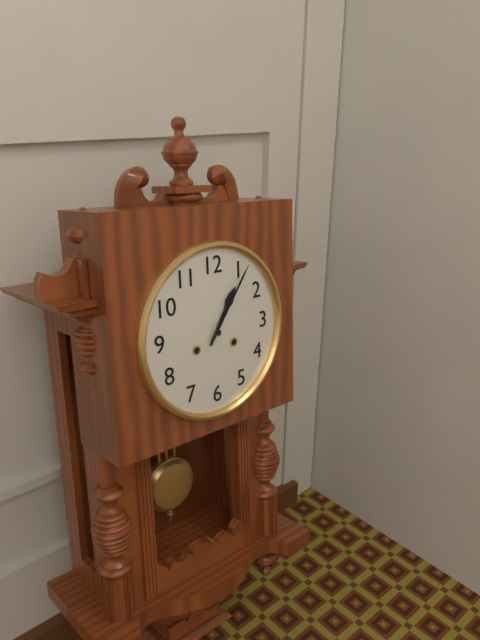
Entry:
1:06
